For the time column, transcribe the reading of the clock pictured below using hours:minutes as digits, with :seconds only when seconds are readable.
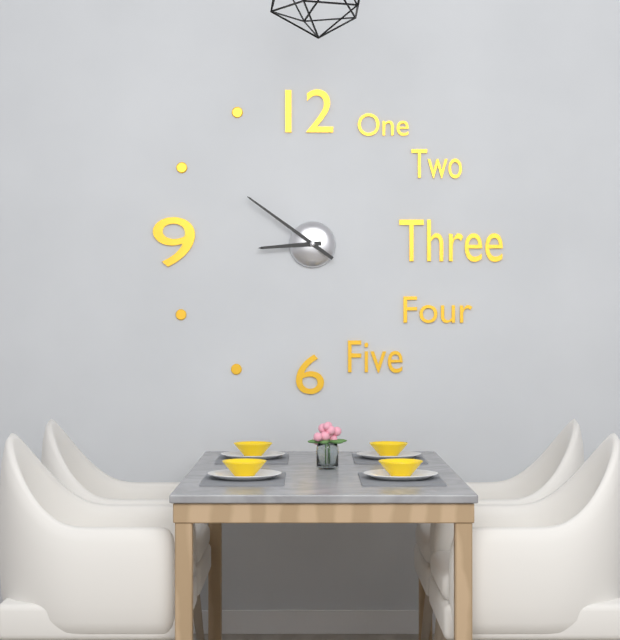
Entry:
8:51
